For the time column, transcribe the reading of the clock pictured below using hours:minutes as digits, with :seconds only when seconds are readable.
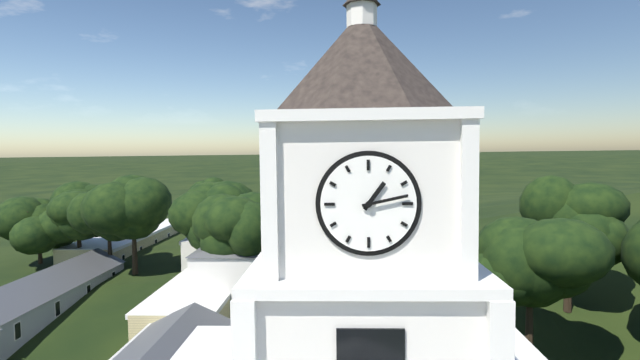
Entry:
1:13
